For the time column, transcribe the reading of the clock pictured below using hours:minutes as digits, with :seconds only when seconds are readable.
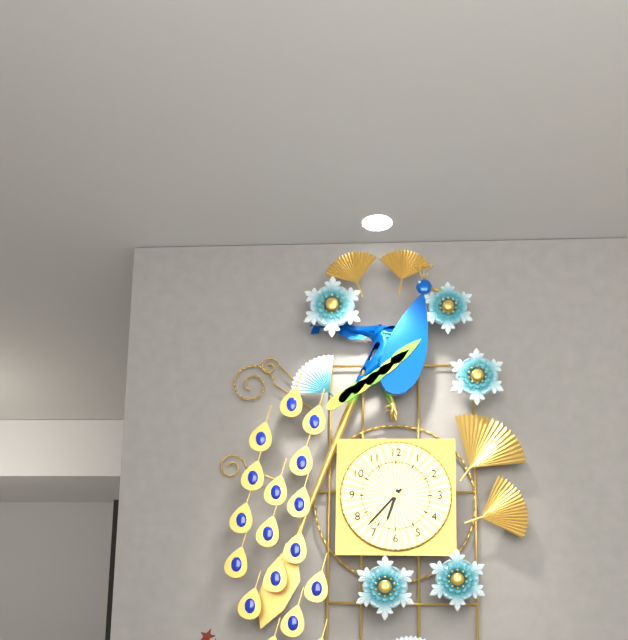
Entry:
6:37
